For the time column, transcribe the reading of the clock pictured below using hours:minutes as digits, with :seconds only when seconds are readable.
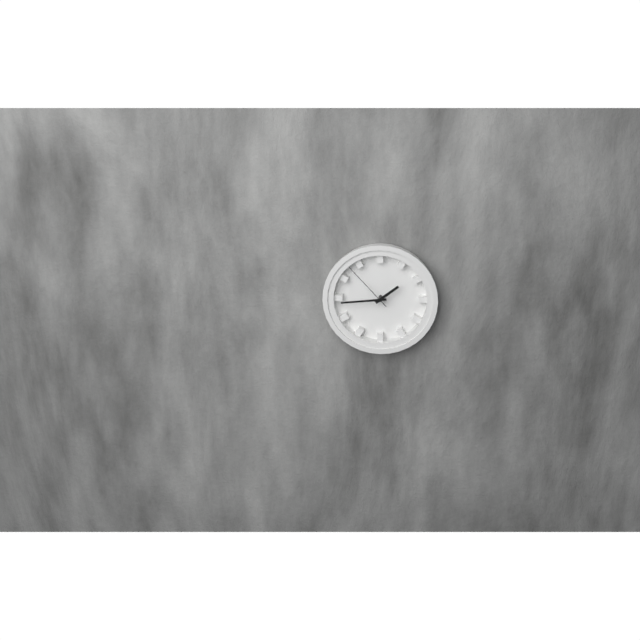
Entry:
1:44:53
